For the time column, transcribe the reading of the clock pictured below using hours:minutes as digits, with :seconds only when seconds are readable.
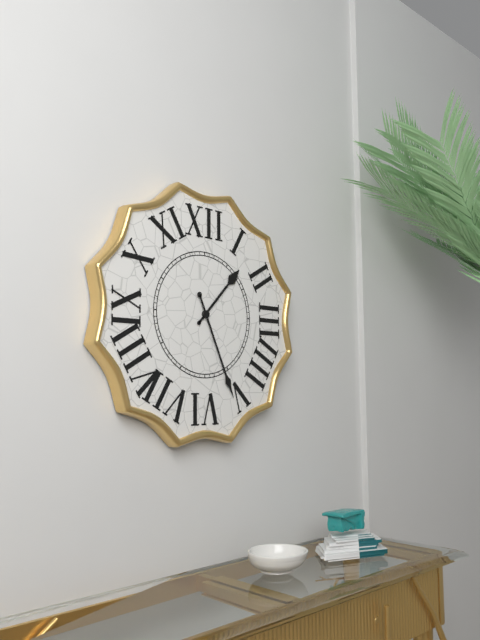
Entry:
1:26
